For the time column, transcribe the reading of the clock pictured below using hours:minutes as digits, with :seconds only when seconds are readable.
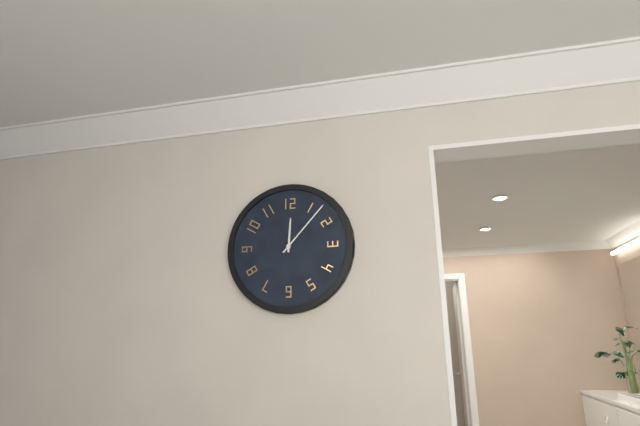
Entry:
12:07
